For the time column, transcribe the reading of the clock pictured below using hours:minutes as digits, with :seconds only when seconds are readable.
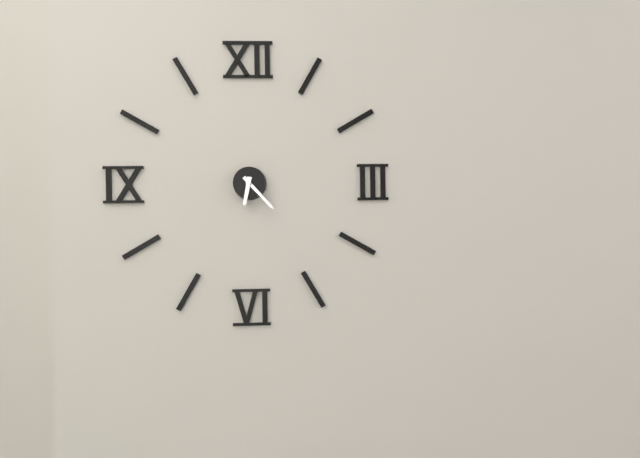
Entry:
6:23
